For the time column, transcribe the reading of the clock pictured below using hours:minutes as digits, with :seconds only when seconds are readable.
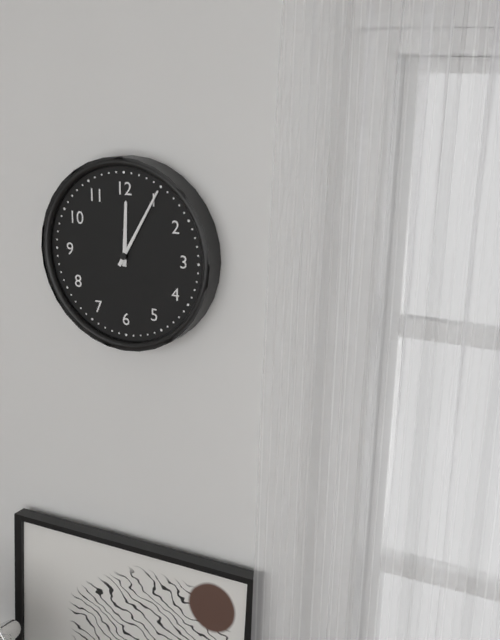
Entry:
12:05
